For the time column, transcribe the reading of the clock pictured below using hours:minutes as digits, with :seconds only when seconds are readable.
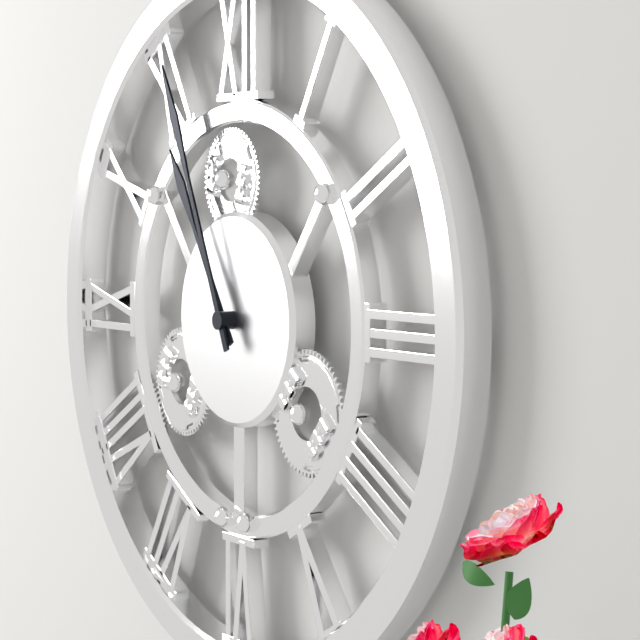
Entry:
10:56
